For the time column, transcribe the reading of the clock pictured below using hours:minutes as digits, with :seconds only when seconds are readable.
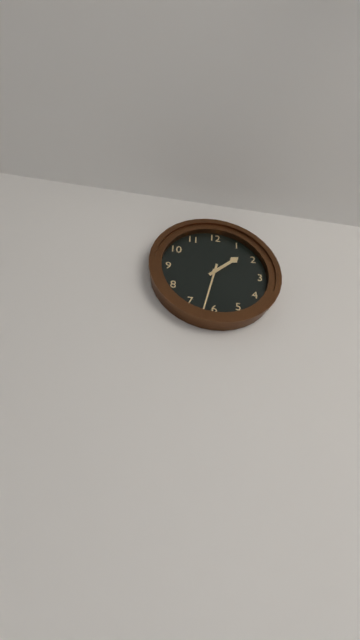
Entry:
1:32
